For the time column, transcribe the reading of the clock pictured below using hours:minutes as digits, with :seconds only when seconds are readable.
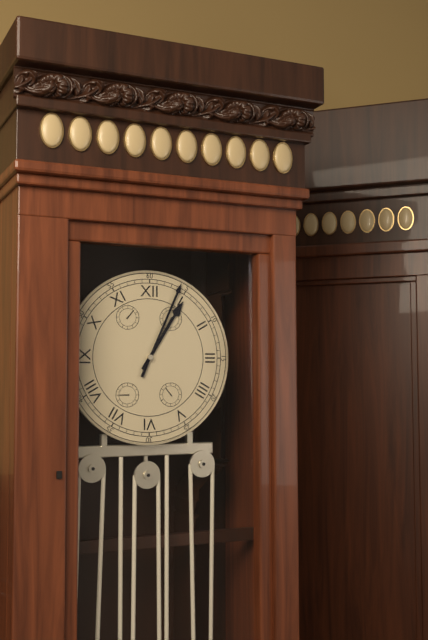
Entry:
1:04
